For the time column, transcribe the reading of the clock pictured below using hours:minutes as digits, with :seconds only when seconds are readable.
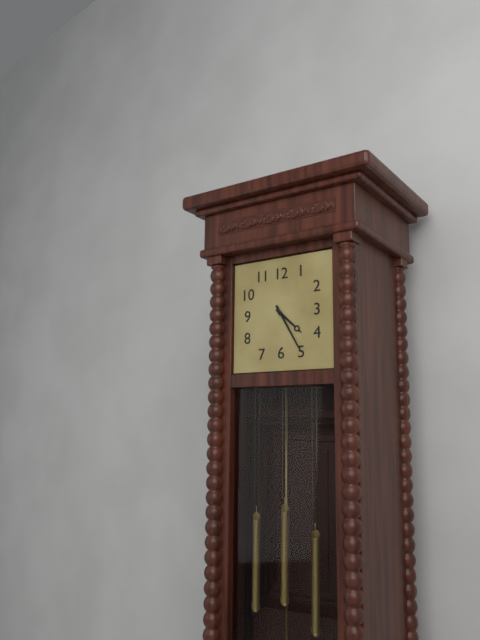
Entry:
4:25
